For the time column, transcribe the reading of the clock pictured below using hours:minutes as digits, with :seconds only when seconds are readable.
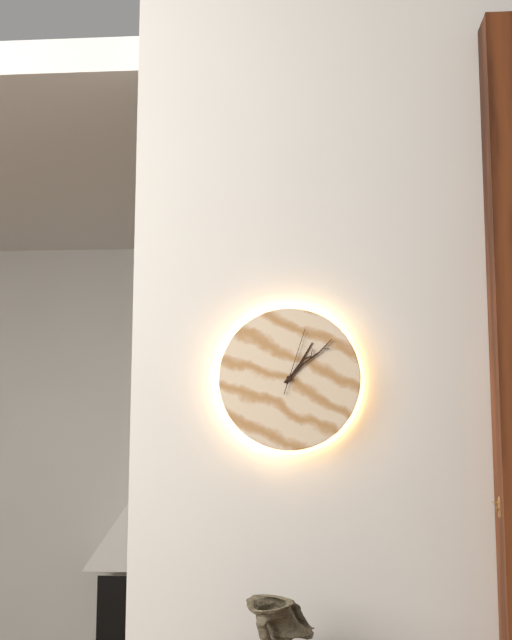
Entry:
1:08:03
